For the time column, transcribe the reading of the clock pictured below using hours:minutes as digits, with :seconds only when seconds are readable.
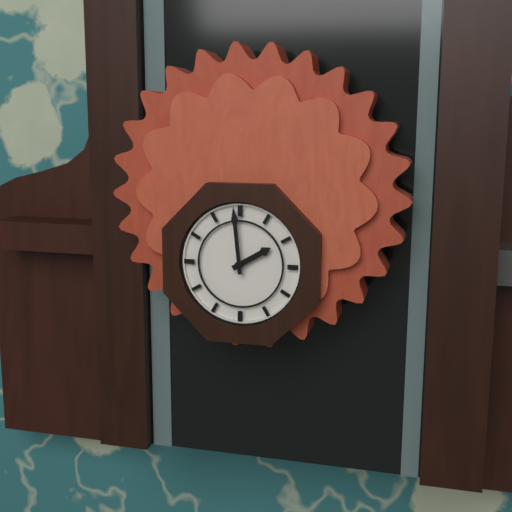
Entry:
1:59
